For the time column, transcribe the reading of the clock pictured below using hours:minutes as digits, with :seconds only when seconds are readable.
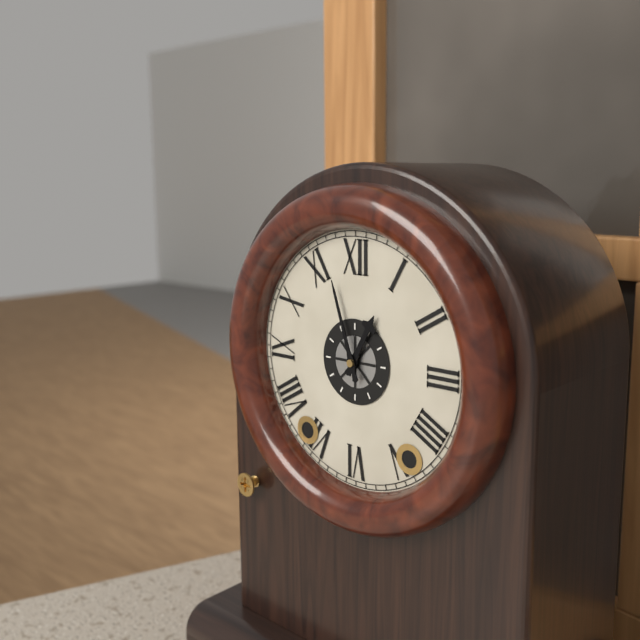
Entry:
12:57
